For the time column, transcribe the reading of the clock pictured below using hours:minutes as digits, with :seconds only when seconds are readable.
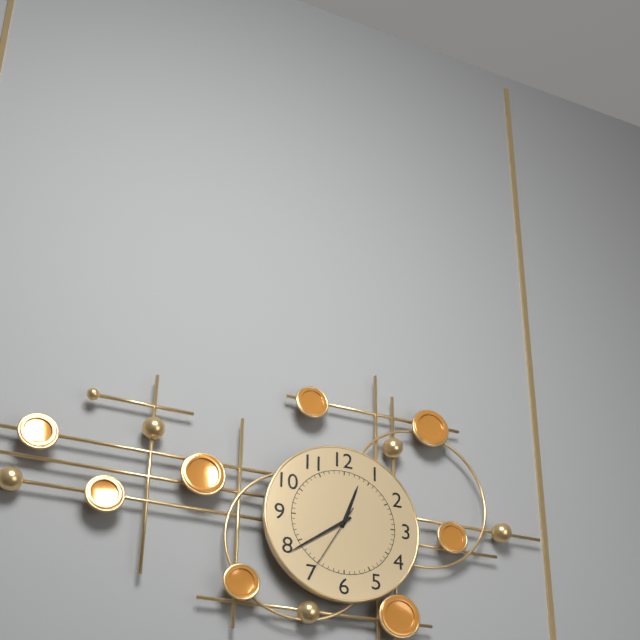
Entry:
12:39:35
